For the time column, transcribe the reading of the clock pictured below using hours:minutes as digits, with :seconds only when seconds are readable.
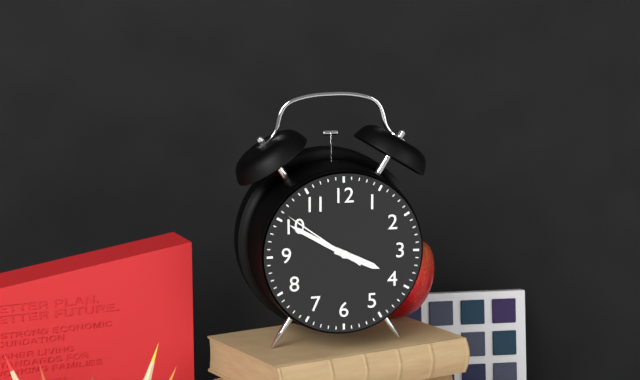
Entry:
3:50:51
